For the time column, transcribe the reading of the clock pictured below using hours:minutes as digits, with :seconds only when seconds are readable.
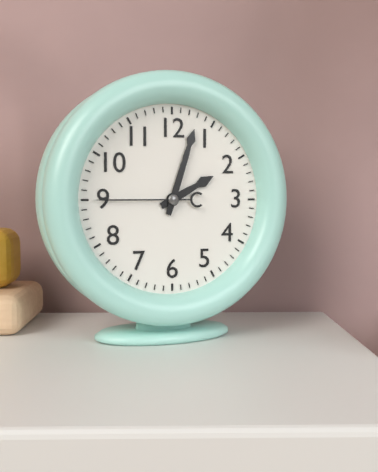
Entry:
2:03:45
